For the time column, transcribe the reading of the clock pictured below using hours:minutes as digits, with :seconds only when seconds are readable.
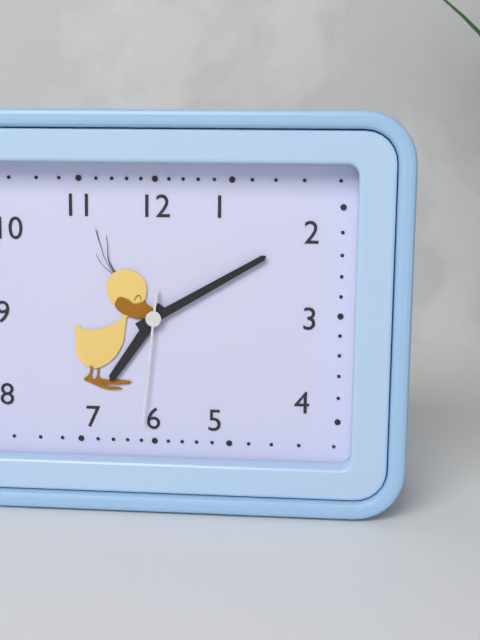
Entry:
7:10:31
